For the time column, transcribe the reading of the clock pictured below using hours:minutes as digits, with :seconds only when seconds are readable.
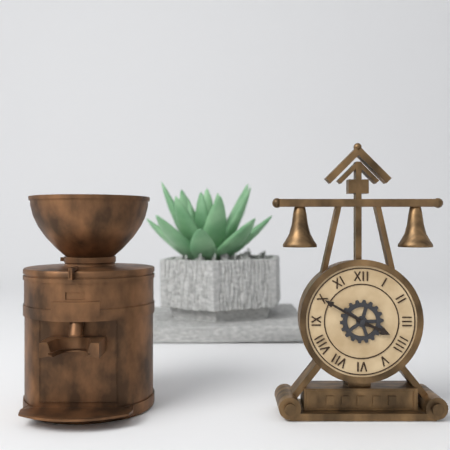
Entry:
3:50
